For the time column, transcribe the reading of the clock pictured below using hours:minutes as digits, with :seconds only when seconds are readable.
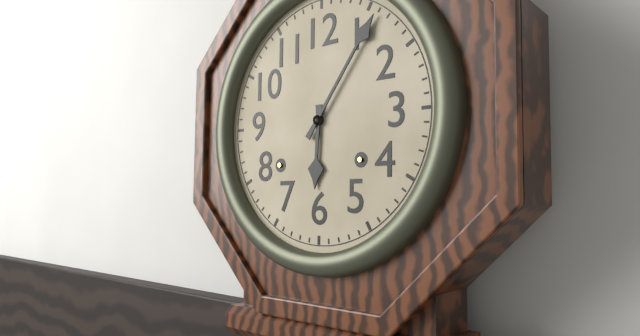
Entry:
6:06
